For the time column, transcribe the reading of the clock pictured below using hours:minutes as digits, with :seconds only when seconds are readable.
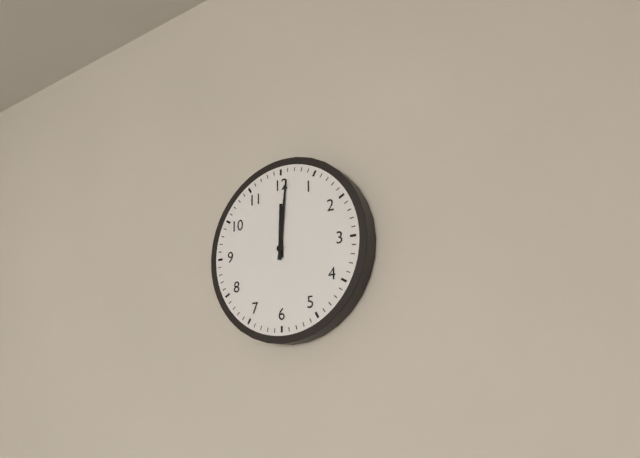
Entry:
12:01
